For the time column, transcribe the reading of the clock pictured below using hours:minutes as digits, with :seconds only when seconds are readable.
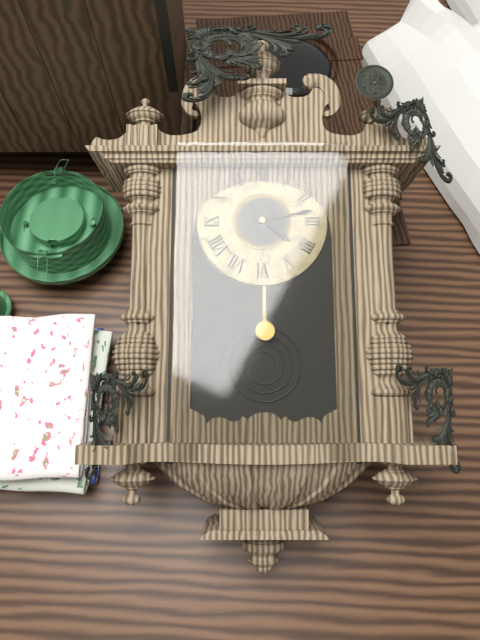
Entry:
4:13
